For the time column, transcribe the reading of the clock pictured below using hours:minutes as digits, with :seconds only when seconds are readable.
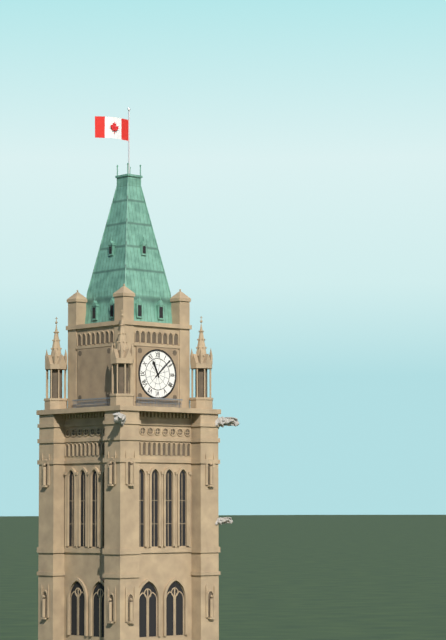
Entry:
11:08
